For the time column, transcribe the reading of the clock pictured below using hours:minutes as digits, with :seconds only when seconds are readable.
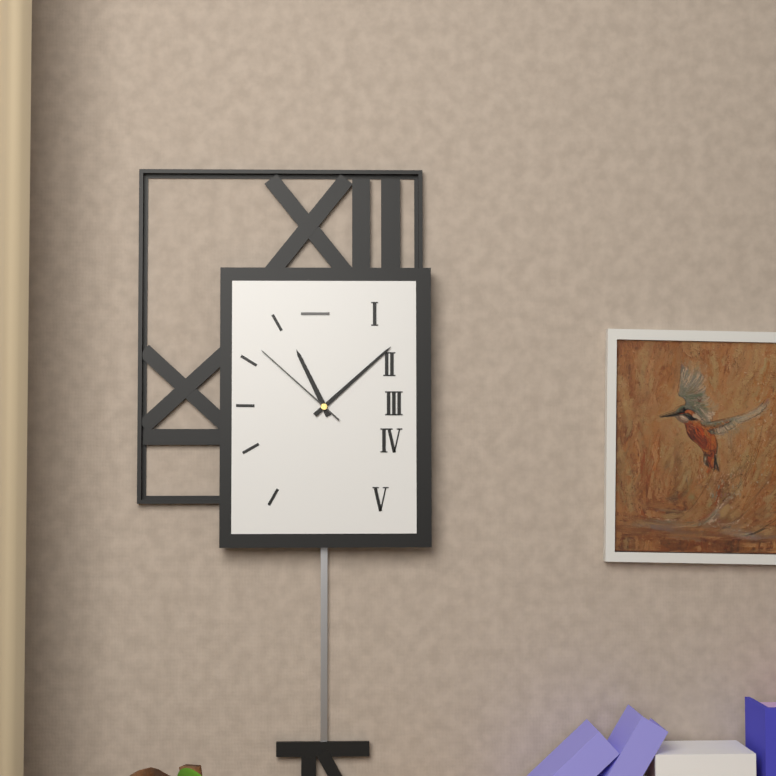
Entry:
11:08:52
